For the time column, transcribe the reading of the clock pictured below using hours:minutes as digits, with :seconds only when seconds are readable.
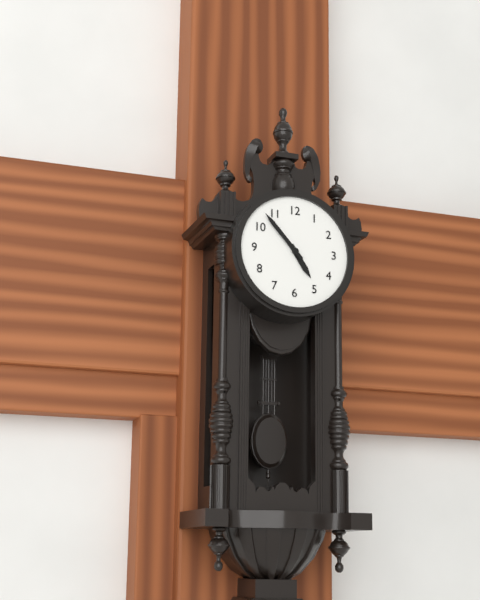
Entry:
4:53
